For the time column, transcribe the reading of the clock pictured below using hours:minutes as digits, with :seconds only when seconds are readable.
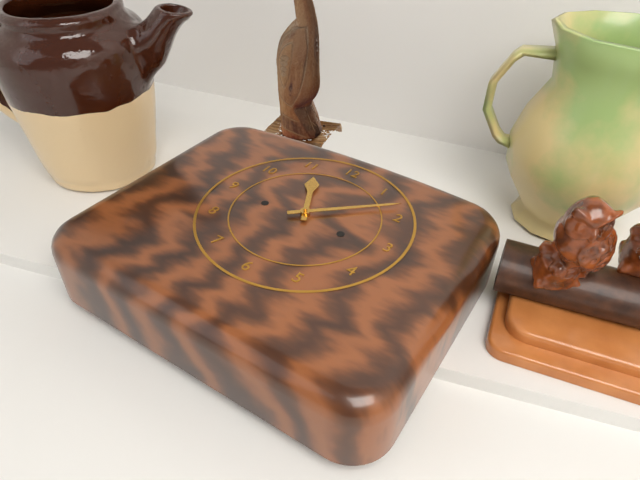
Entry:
11:08
